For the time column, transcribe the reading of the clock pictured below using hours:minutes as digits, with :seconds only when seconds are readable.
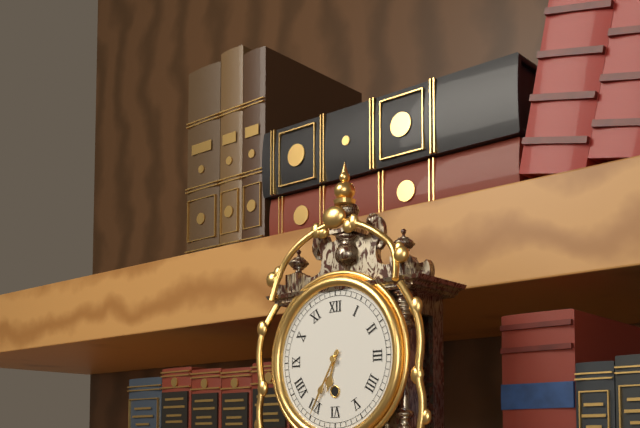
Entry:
6:35
